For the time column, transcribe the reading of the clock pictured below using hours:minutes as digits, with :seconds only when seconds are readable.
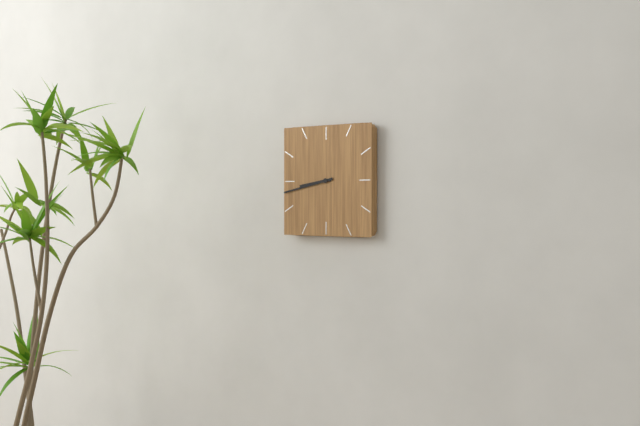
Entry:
8:43
